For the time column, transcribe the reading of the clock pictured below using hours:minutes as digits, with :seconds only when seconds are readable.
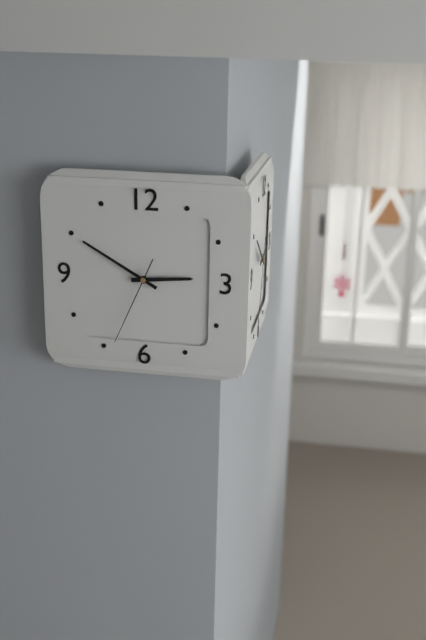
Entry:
2:50:34
